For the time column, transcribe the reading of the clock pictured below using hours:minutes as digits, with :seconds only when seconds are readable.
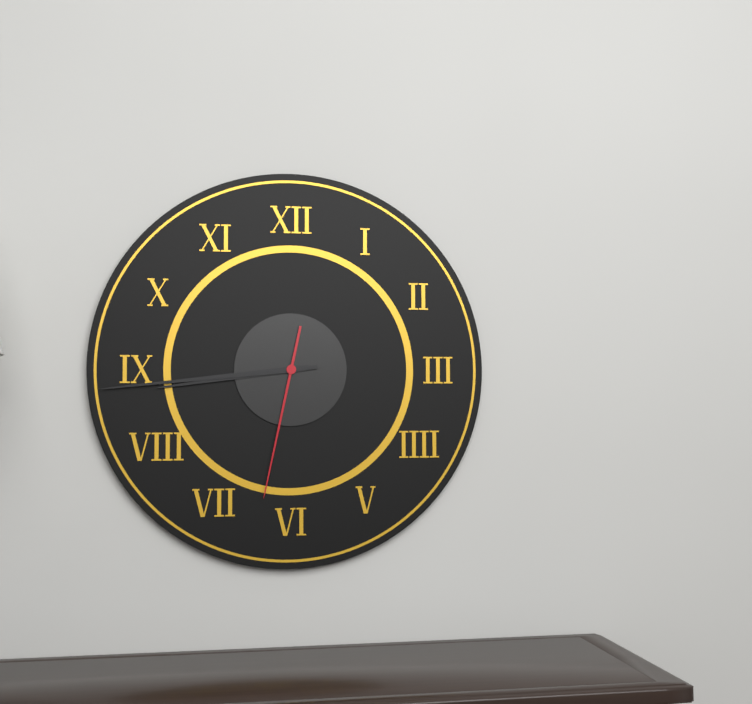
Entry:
8:44:32
